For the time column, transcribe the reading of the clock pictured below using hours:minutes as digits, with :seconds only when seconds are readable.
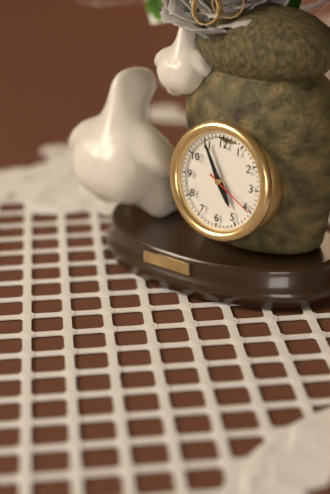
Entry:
4:55:20
